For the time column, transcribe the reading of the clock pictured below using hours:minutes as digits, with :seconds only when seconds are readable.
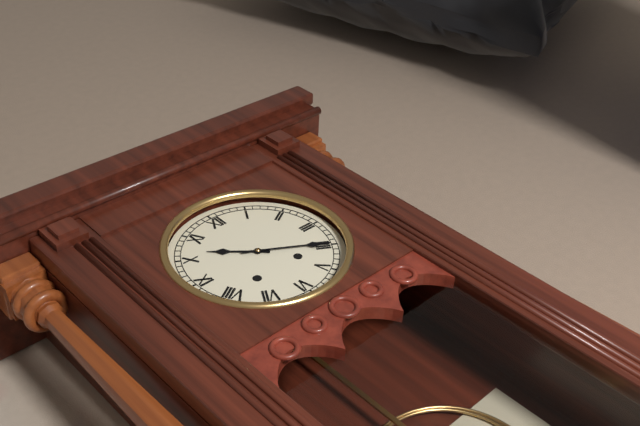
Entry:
10:20
